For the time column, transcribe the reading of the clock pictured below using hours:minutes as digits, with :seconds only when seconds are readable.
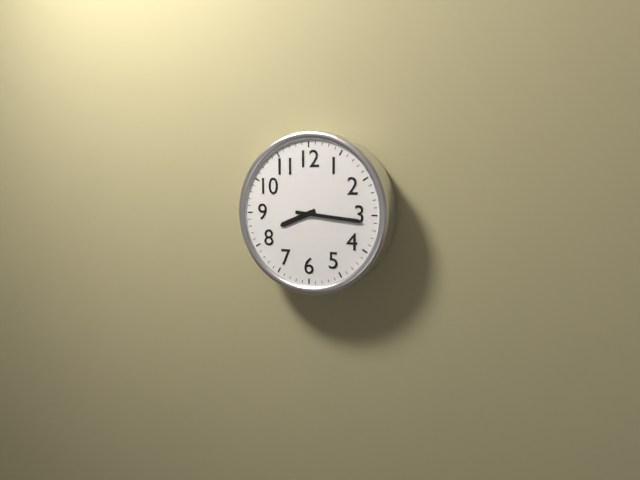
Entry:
8:16
